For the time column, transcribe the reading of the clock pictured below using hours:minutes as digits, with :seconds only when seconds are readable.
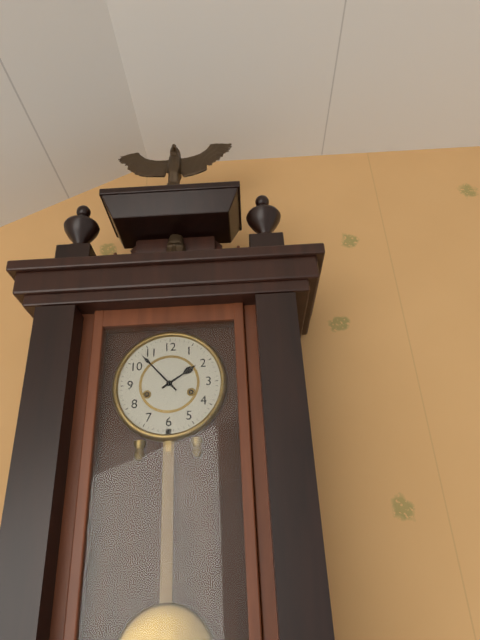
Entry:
1:53
